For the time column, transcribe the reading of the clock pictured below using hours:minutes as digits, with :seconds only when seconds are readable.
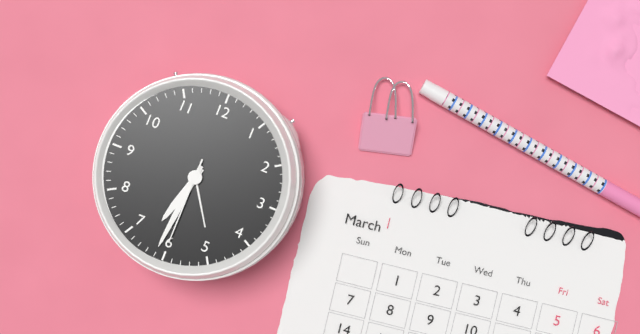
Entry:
6:31:30
